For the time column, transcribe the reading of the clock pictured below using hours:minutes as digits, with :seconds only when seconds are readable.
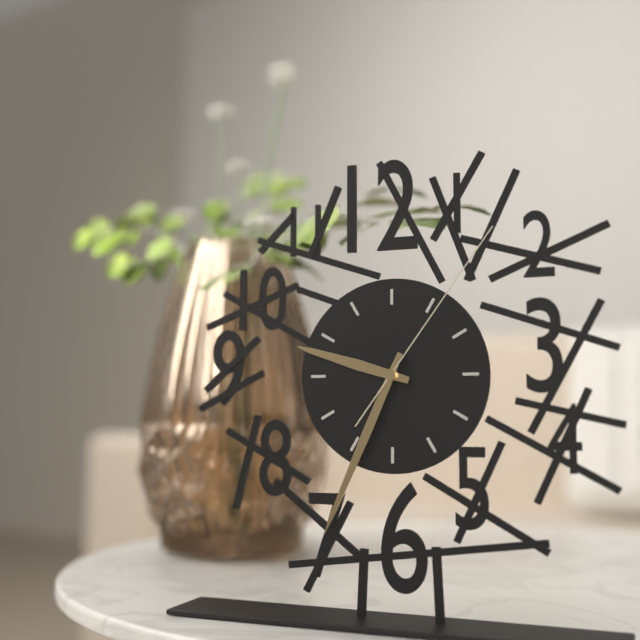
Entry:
9:34:06
